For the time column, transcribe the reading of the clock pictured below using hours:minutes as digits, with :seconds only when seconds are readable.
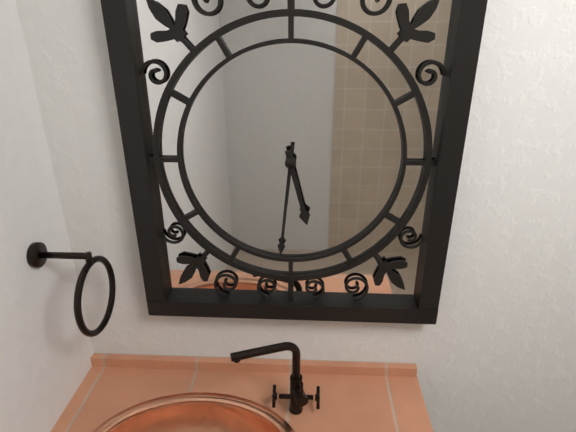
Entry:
5:31
